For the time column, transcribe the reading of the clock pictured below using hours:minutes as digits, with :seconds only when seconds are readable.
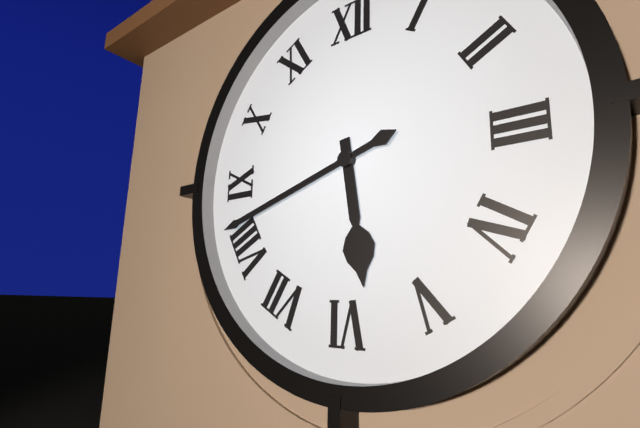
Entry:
5:42
